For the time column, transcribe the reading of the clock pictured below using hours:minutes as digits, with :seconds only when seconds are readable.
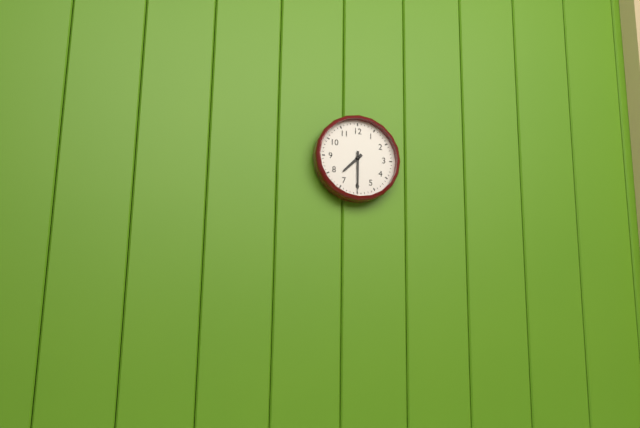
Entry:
7:30
